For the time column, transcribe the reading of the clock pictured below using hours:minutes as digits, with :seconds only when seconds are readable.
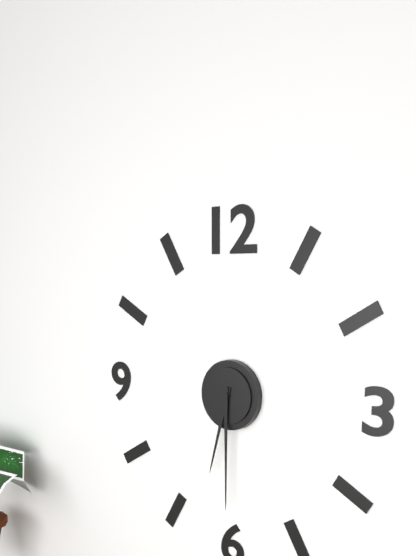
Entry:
6:30
